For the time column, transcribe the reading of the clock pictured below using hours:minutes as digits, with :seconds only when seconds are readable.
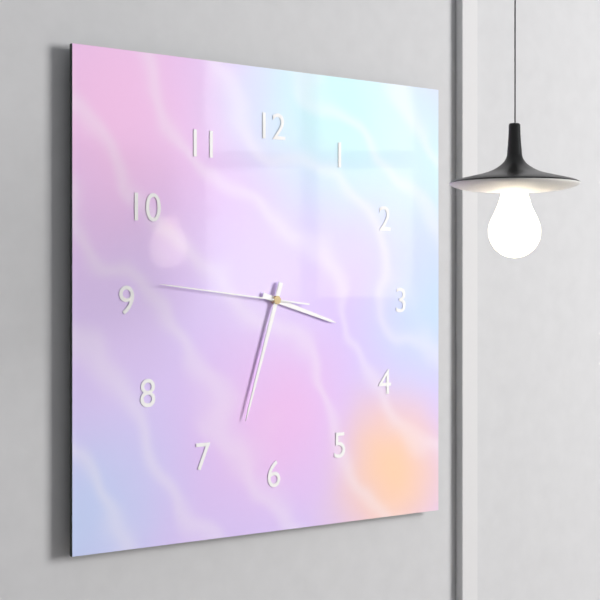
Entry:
3:33:46
